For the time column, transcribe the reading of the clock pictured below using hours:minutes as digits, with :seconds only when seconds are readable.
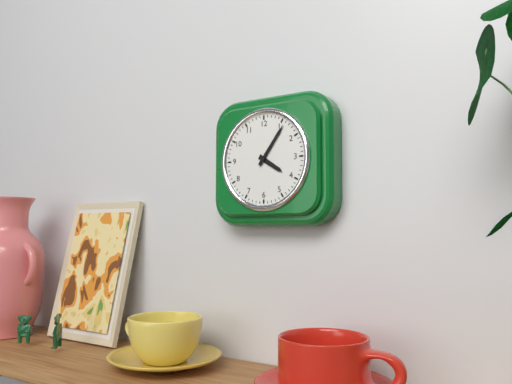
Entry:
4:06
